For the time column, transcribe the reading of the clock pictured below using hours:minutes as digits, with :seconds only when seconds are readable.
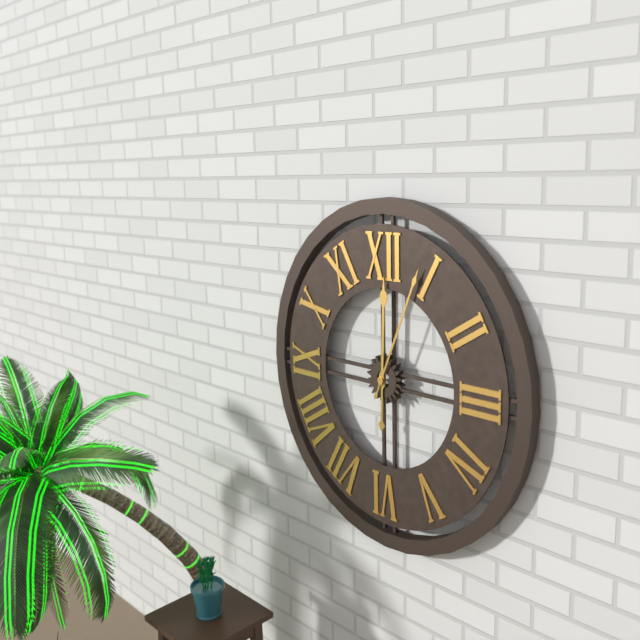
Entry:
12:04
